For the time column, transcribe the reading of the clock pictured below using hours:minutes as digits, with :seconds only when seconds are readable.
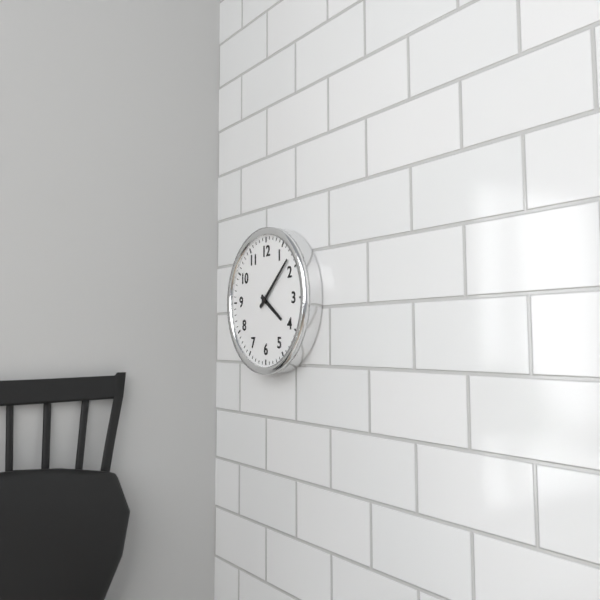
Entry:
4:08
